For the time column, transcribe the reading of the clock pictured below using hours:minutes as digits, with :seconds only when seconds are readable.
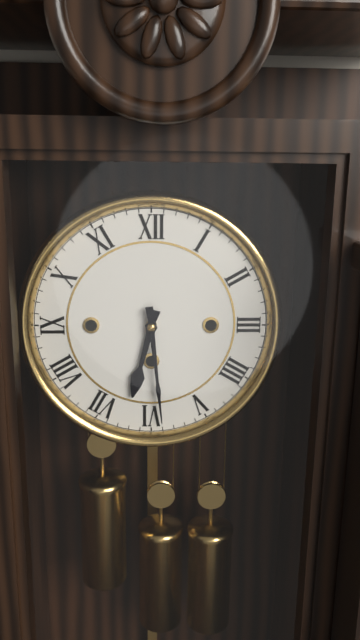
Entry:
6:29
